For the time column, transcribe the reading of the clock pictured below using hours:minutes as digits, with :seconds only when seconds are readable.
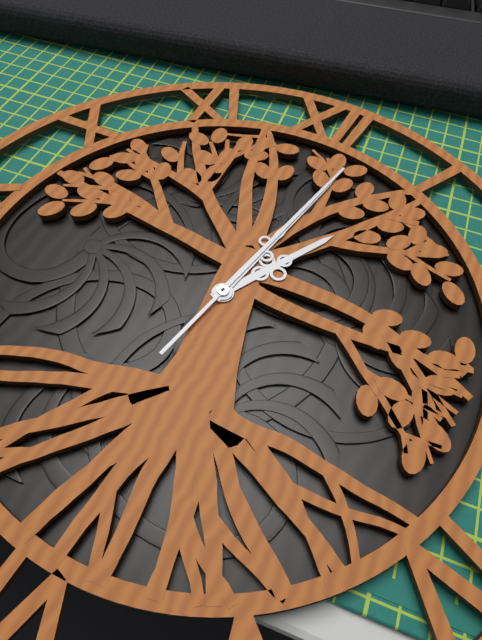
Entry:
1:02:02
